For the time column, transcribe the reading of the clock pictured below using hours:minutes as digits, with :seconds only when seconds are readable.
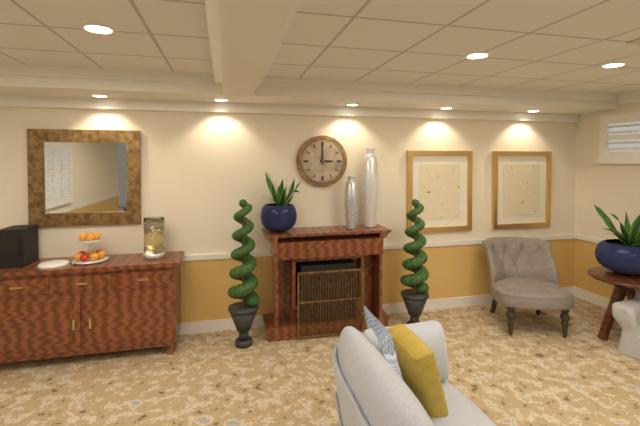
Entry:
3:00
